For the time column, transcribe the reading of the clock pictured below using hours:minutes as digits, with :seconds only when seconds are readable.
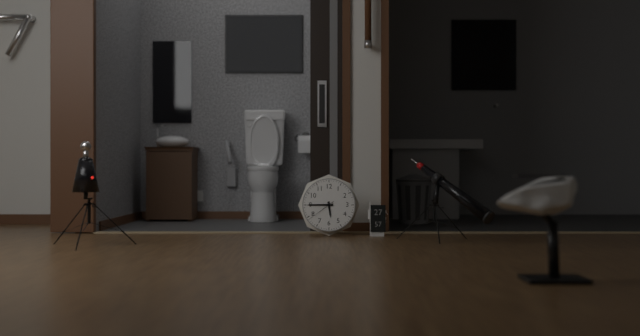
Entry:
5:45
